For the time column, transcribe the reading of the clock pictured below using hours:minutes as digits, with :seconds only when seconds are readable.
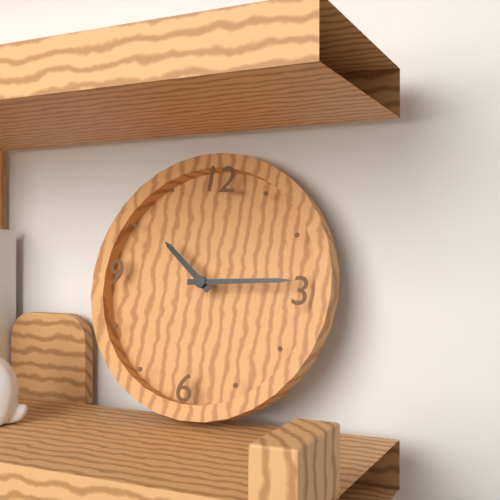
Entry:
10:14
